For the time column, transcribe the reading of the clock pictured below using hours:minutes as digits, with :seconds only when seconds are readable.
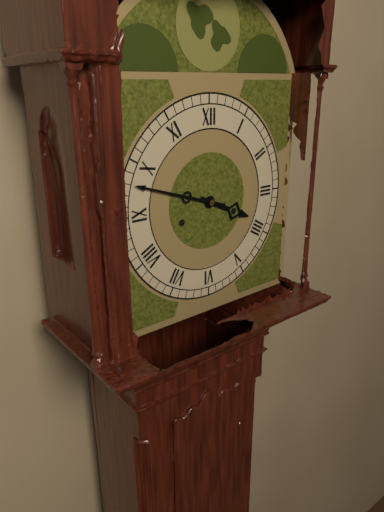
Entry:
3:48
